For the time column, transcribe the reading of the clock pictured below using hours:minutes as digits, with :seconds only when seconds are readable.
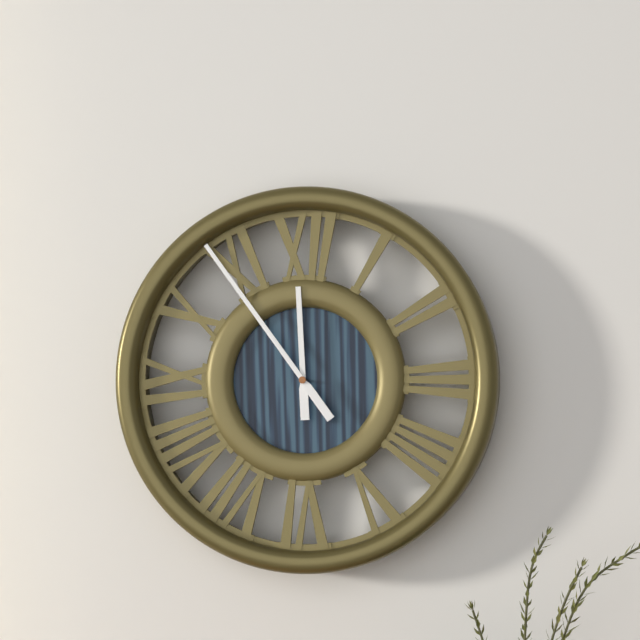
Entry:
11:54
